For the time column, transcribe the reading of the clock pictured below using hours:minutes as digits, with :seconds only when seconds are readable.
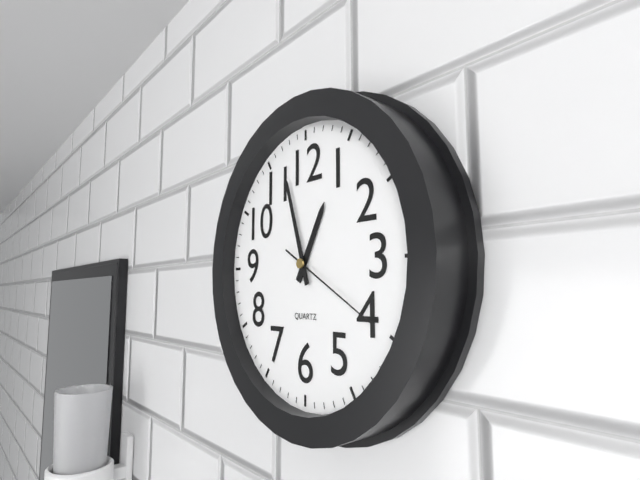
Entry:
12:57:20
